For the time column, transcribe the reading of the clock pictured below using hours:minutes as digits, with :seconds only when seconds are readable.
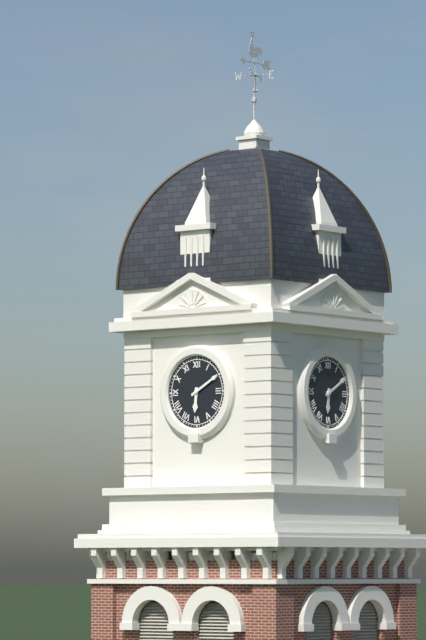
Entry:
6:10
